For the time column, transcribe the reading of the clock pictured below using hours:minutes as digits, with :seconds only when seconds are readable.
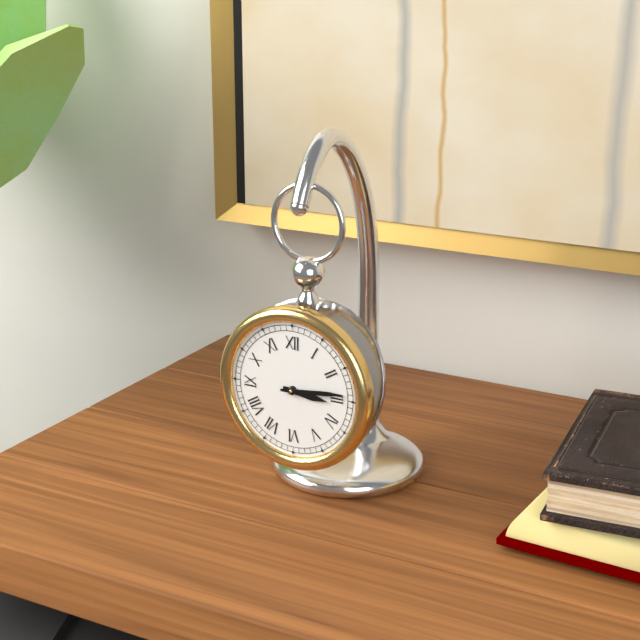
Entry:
3:14
